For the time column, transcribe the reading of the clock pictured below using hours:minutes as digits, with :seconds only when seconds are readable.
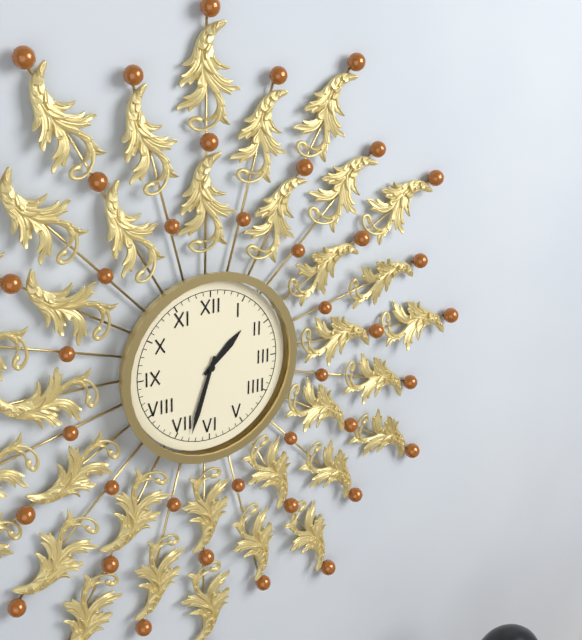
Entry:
1:33
